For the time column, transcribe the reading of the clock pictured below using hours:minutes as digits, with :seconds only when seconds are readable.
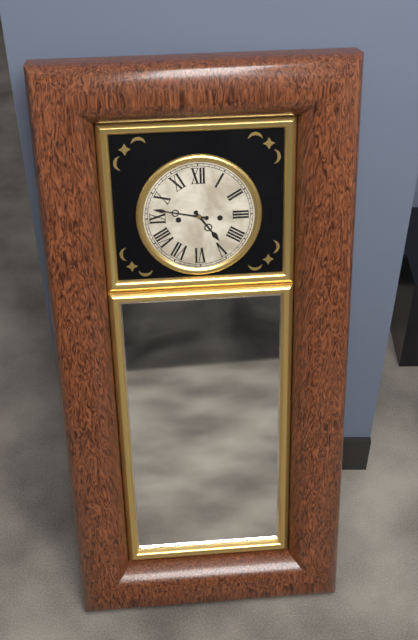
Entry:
4:47
